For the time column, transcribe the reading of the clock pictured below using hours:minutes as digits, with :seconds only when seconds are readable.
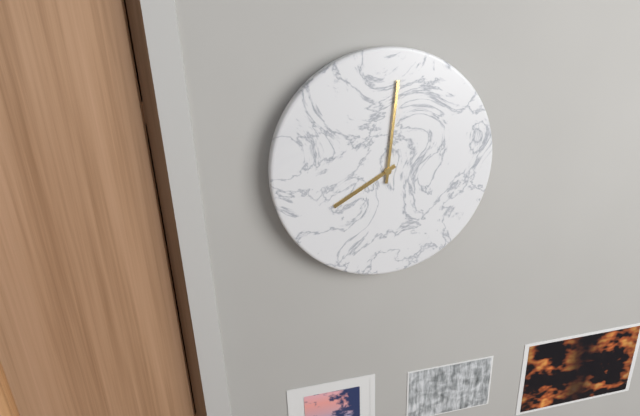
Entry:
8:01
